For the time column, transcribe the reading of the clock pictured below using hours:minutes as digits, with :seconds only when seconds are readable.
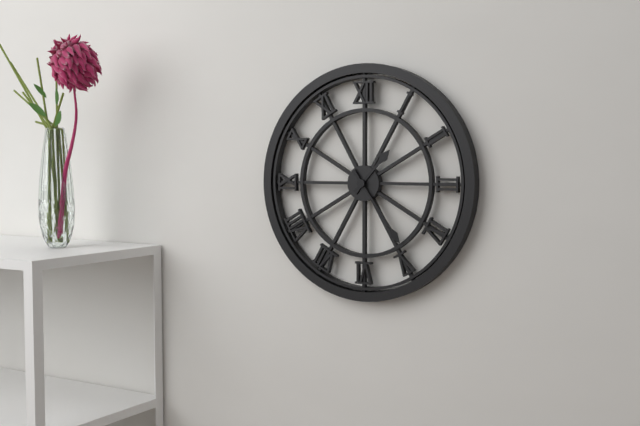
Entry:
1:24
